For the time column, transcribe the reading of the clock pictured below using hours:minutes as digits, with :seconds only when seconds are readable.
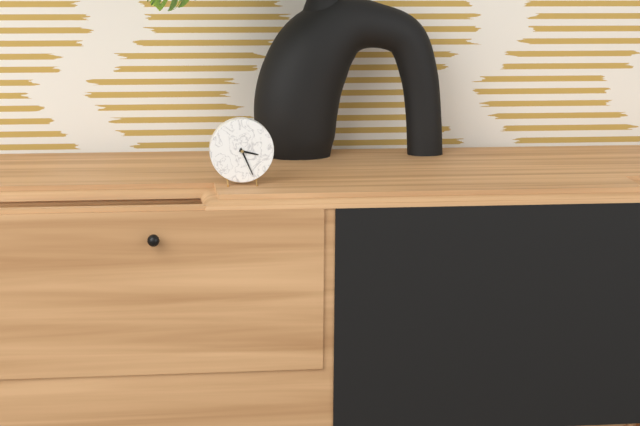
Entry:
3:26
